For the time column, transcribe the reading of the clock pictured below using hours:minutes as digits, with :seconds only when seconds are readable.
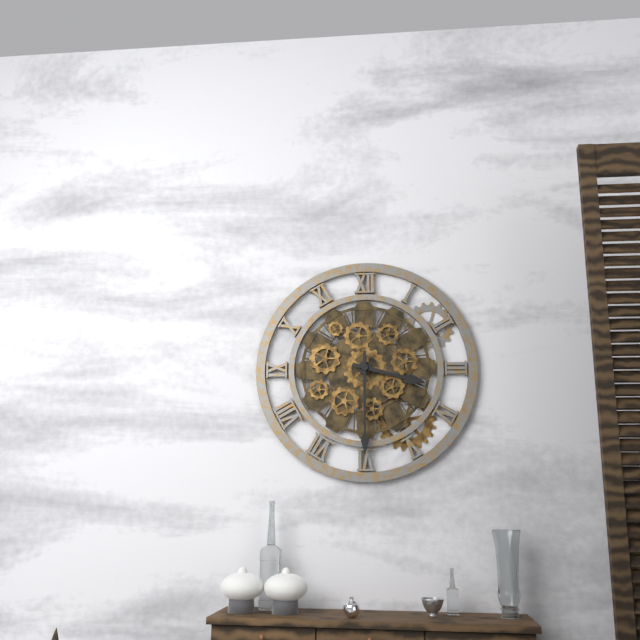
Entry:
3:30
